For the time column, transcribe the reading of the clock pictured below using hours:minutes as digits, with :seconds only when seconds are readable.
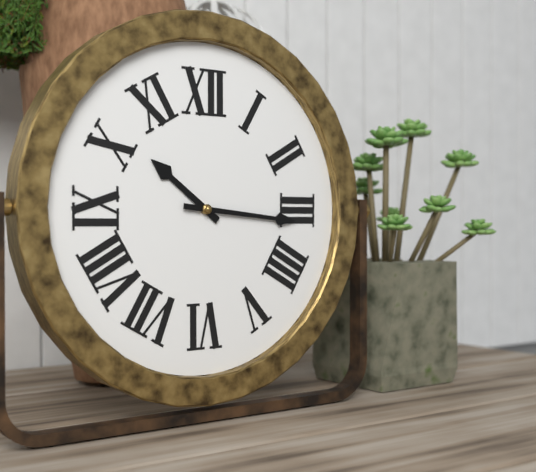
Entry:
10:16
